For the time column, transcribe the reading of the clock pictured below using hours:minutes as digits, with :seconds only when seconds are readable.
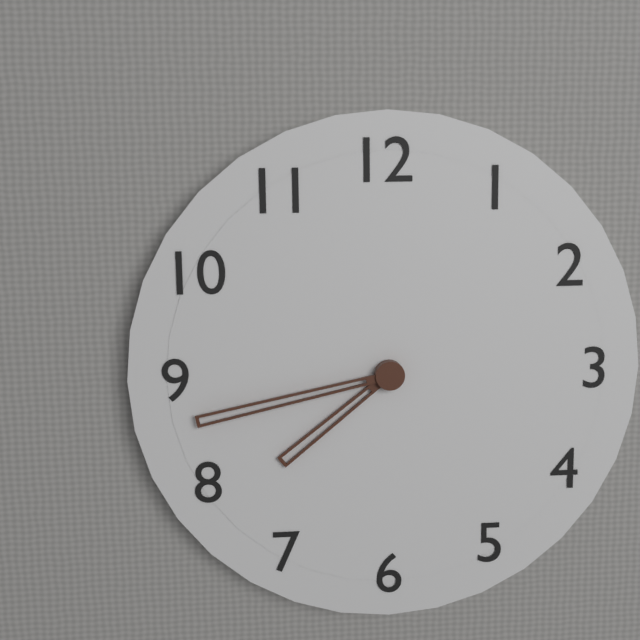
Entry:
7:43
